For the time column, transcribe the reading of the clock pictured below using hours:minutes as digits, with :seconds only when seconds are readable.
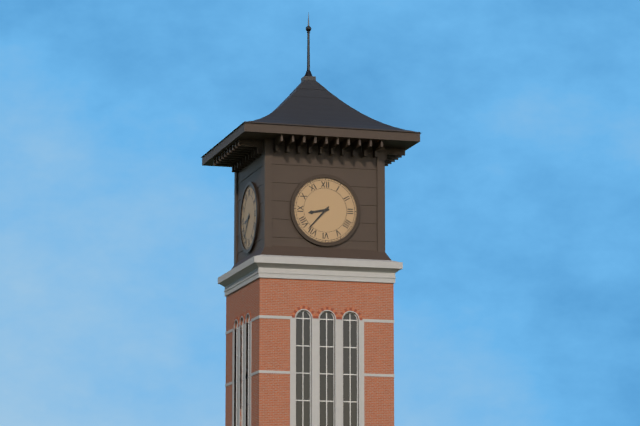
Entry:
8:37
